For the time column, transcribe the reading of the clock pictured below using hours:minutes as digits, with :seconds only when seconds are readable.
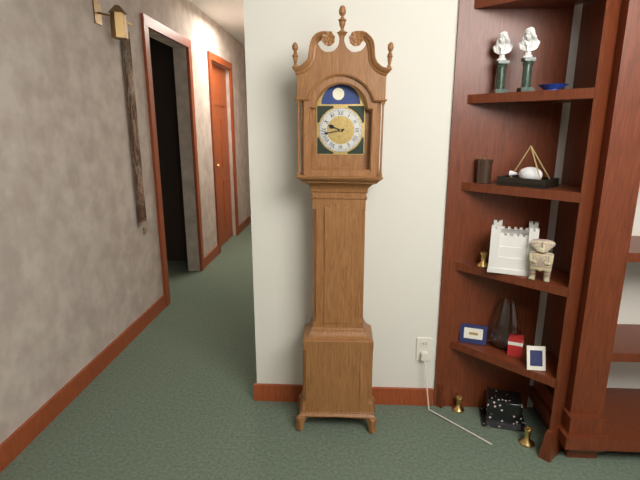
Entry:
9:43
